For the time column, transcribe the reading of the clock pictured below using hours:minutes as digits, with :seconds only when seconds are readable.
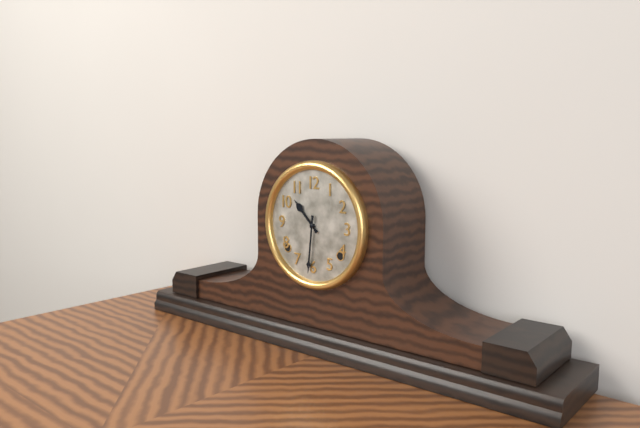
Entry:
10:31
